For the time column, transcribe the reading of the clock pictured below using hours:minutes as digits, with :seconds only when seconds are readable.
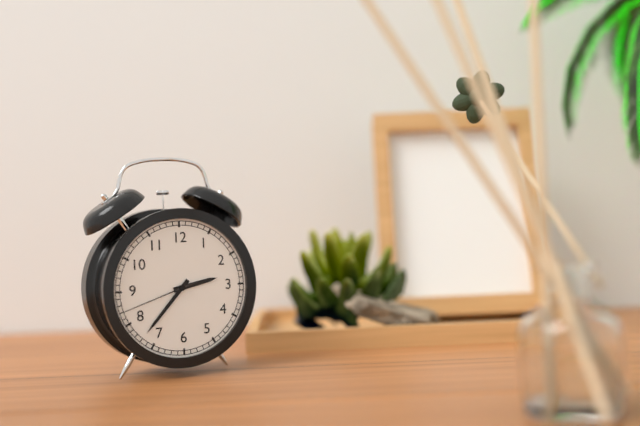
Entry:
2:37:42
